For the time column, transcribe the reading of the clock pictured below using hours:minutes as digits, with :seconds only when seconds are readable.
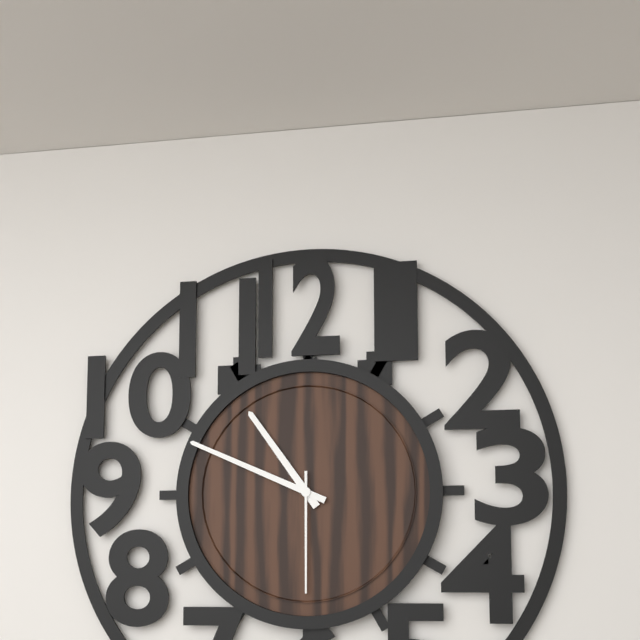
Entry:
10:49:30
